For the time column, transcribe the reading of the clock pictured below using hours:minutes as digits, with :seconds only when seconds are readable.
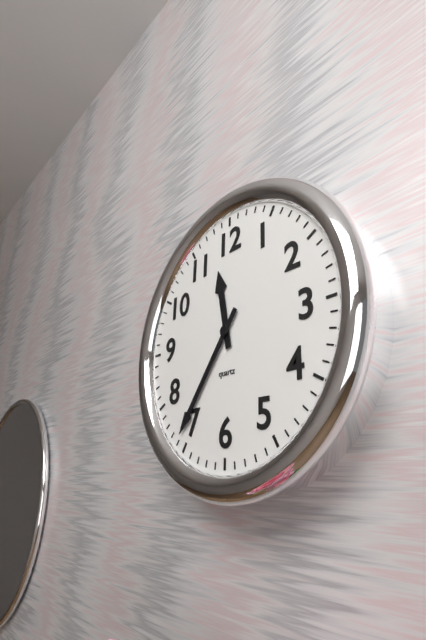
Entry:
11:36
